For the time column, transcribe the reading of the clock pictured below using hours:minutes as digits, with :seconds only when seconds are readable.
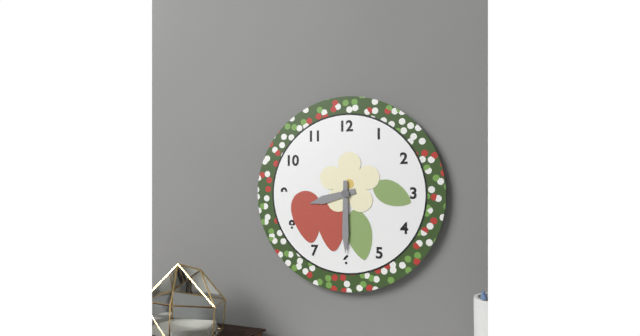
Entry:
8:30
